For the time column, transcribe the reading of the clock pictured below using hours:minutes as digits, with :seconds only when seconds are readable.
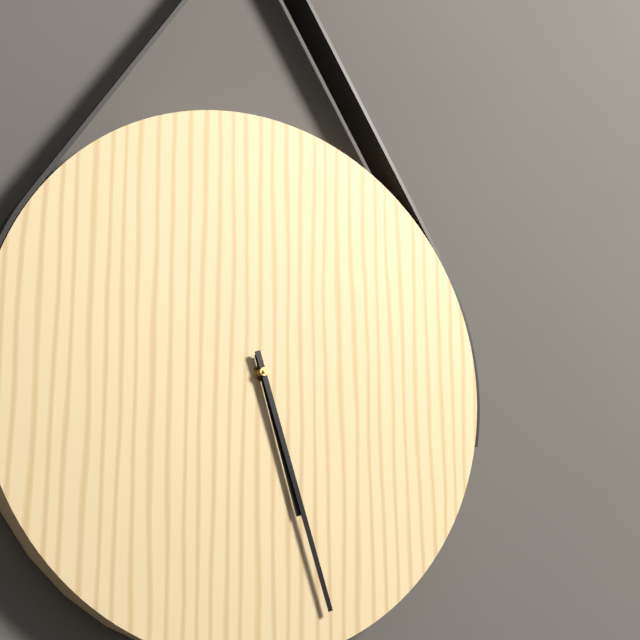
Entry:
5:27
